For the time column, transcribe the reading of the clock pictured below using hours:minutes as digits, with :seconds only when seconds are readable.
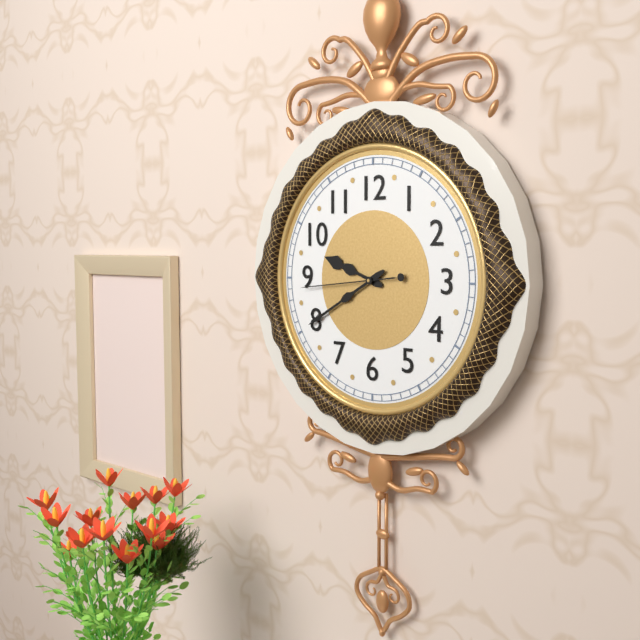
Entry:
9:40:44
